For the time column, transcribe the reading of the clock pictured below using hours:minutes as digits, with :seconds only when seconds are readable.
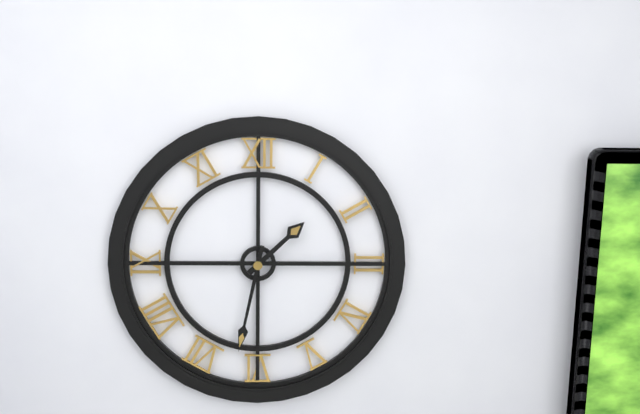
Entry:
1:32
